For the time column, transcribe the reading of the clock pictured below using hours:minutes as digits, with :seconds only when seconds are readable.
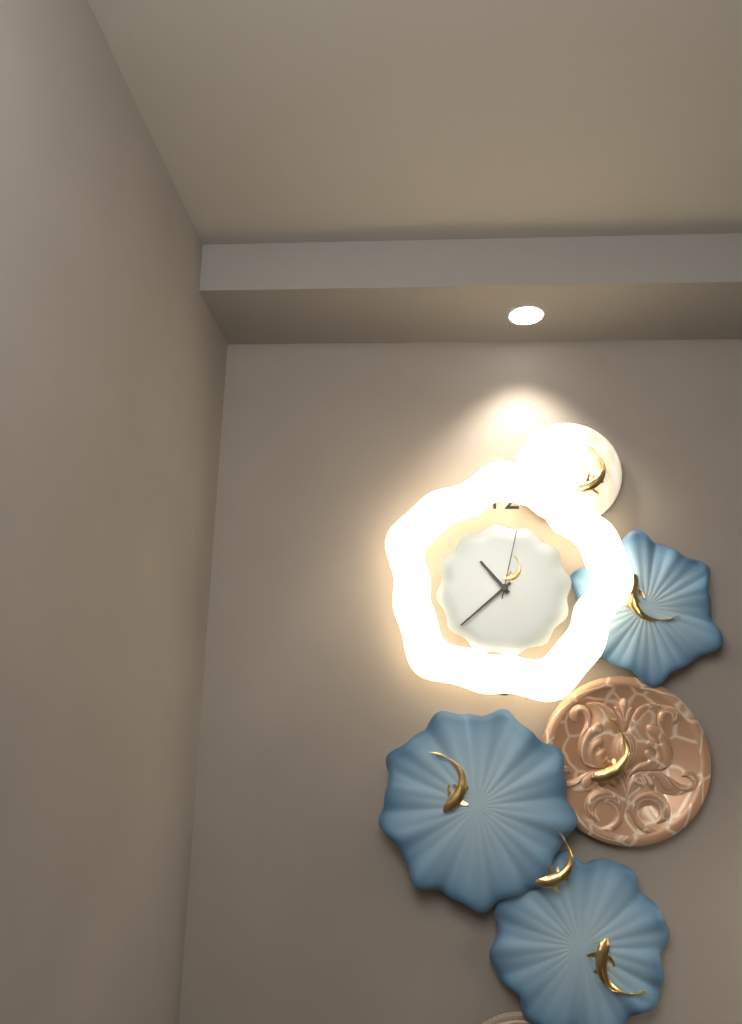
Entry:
10:38:02
